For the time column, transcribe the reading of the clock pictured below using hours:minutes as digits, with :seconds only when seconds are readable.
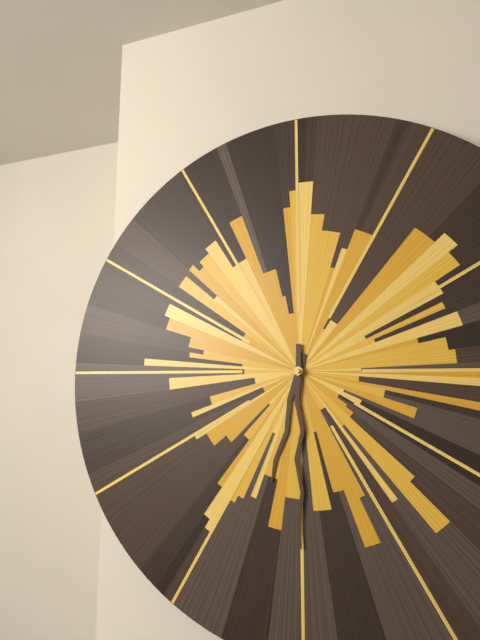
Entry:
6:30
